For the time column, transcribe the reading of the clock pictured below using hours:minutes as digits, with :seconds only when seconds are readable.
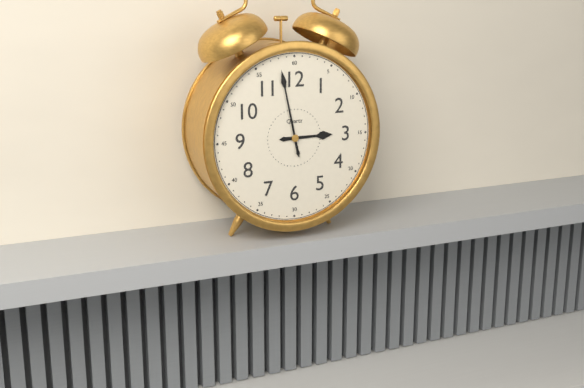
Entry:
2:58
